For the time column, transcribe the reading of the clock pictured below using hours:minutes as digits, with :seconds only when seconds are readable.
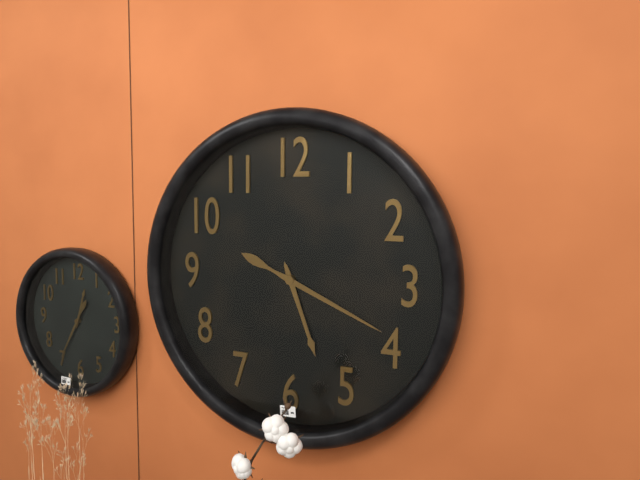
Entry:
5:19
